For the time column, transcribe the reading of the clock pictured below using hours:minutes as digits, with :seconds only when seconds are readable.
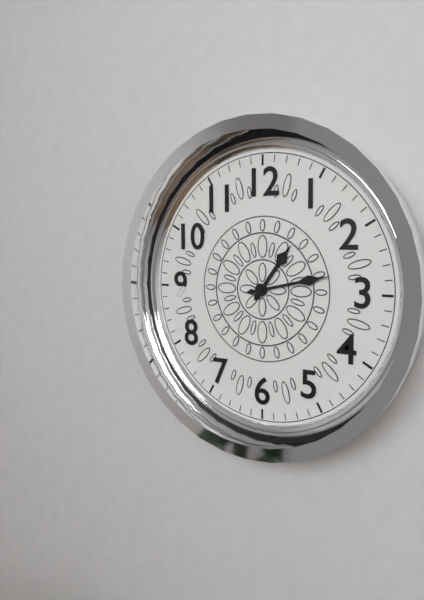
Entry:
1:13
